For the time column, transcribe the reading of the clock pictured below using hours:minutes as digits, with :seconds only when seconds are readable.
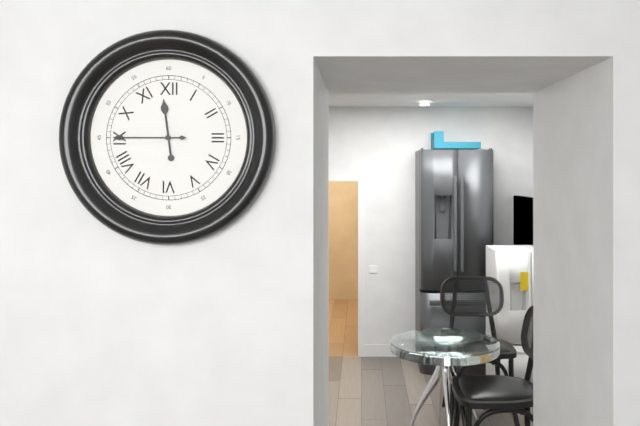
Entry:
11:45
